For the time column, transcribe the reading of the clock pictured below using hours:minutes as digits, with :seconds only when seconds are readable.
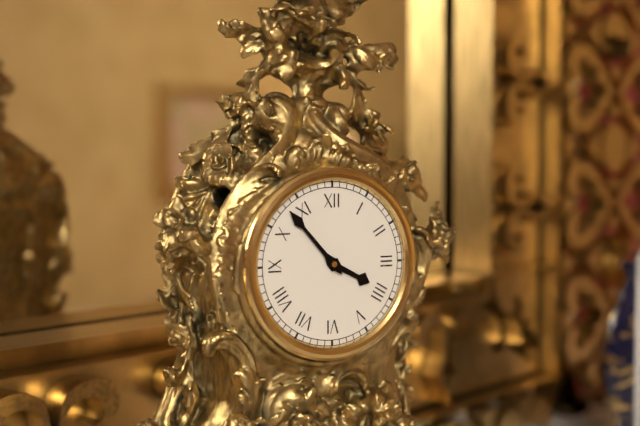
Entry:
3:53
